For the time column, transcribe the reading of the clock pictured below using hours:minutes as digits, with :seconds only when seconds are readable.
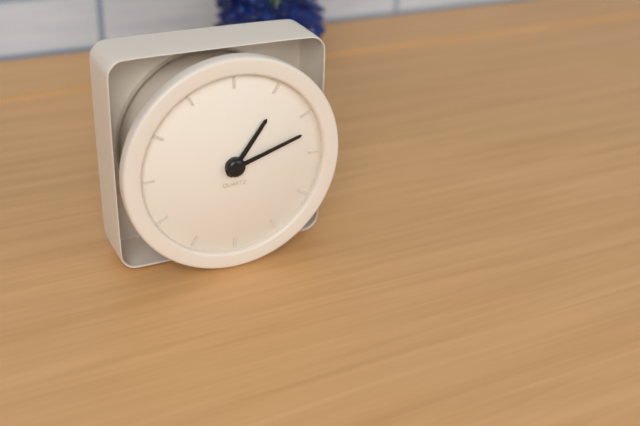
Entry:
1:12
